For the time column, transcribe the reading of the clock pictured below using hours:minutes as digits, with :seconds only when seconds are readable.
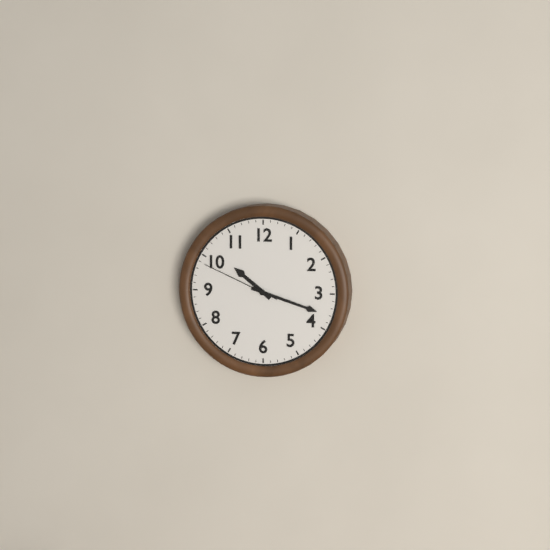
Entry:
10:18:49
